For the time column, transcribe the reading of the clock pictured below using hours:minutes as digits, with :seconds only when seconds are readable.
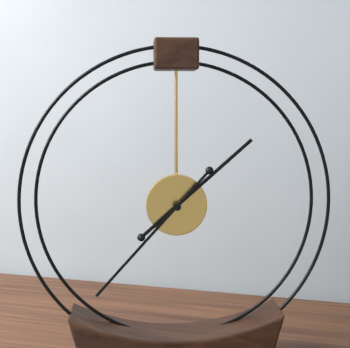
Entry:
1:37
